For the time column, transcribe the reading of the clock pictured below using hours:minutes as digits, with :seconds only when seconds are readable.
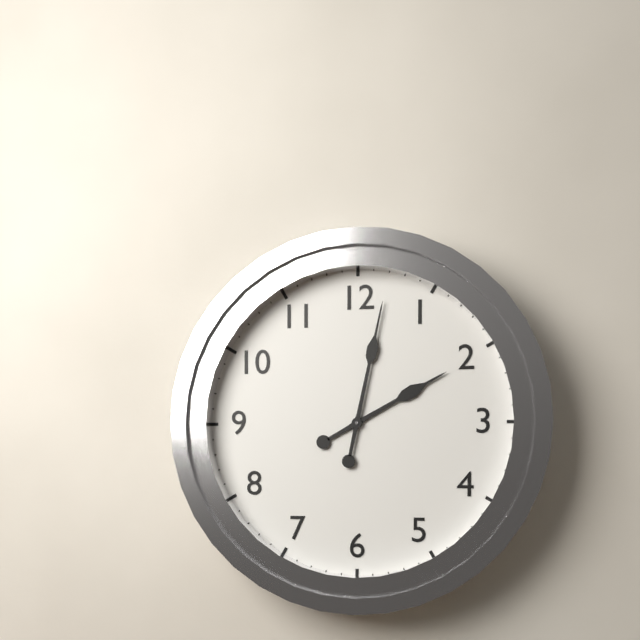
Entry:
2:02
